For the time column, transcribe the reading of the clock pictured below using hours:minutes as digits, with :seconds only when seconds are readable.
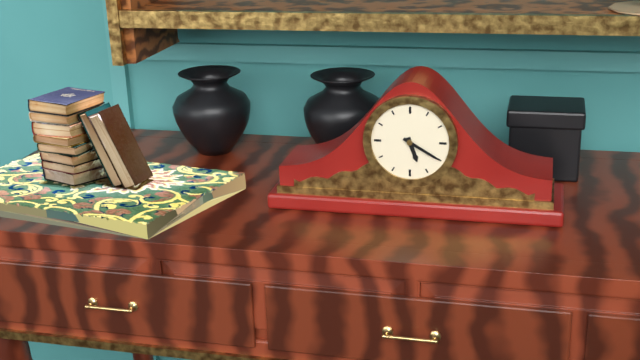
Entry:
5:20
